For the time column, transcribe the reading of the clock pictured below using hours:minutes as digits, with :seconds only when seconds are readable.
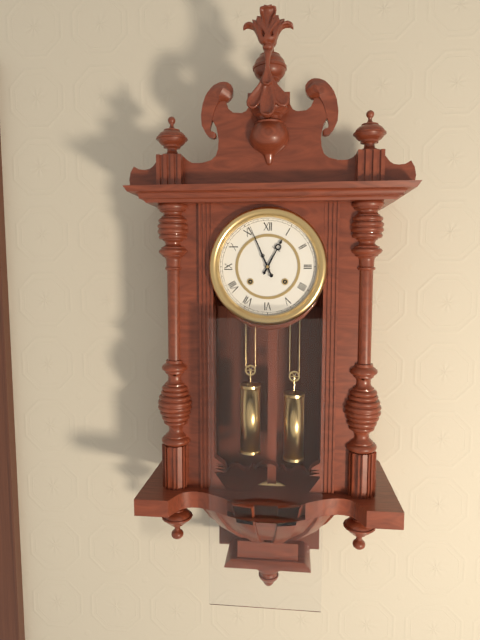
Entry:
12:56
